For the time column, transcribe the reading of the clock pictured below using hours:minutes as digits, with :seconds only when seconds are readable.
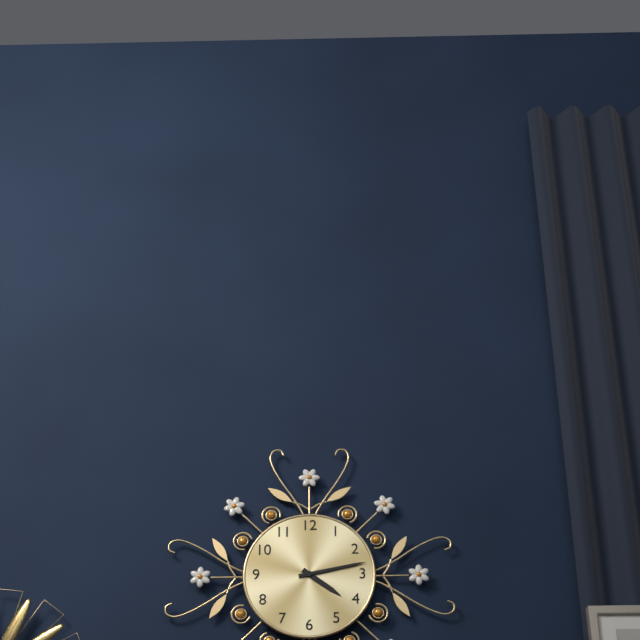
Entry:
4:13
